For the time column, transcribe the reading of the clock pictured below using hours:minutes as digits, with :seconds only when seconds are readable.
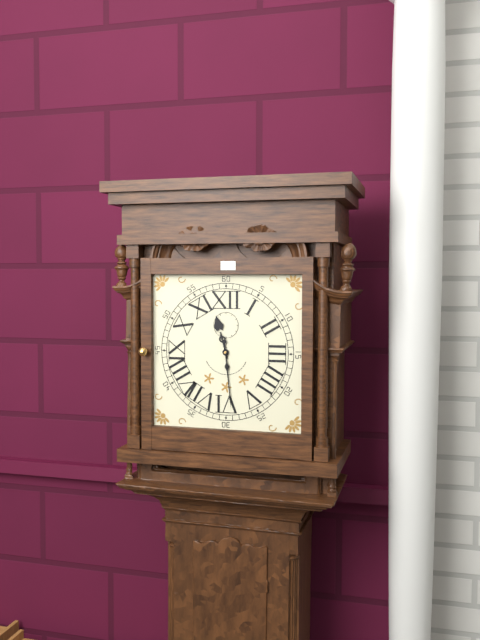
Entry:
11:29
